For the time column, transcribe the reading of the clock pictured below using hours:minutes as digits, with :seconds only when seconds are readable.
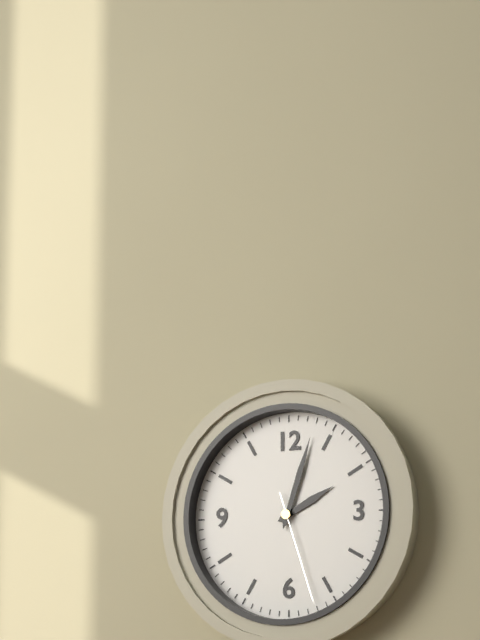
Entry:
2:03:27
